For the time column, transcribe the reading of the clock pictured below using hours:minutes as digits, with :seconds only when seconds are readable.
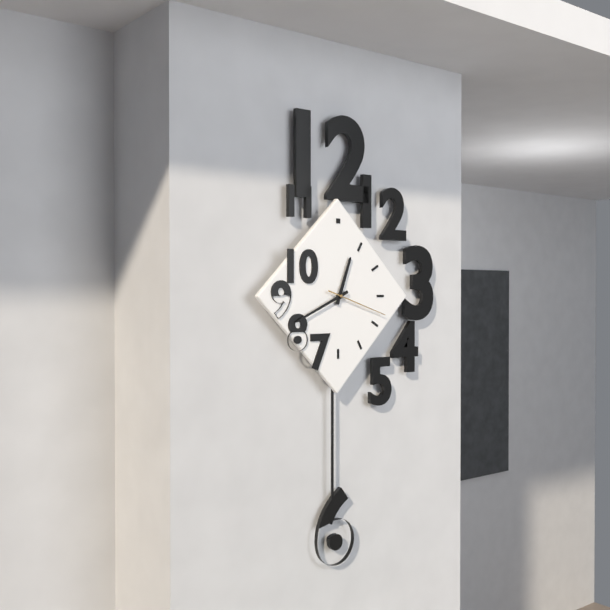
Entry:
12:41:18
